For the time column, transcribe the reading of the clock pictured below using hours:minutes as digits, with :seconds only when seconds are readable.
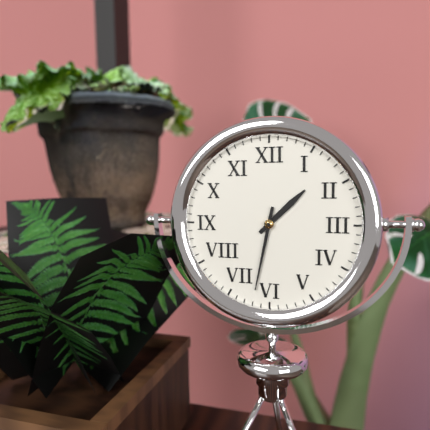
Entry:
1:32
